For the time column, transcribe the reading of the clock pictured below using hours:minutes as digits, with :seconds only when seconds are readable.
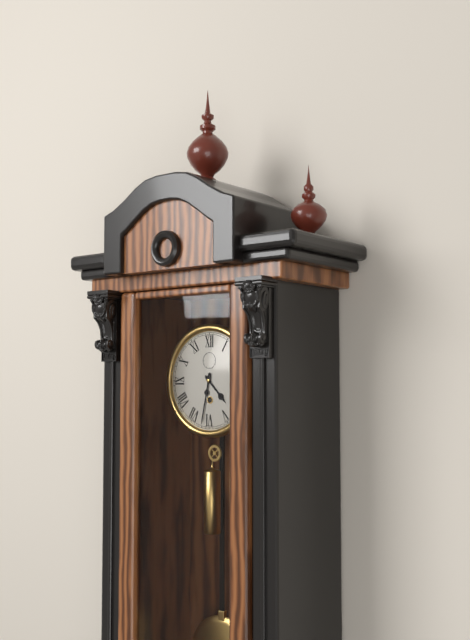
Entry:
4:32
